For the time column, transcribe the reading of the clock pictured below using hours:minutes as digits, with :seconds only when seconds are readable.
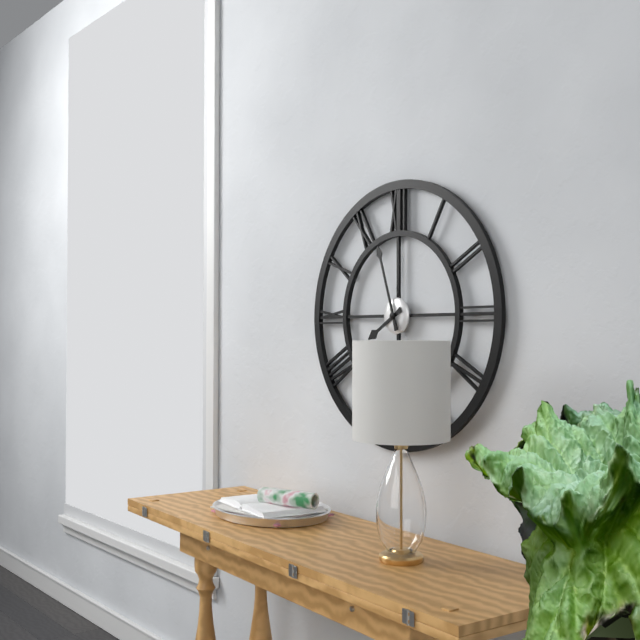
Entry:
7:57
